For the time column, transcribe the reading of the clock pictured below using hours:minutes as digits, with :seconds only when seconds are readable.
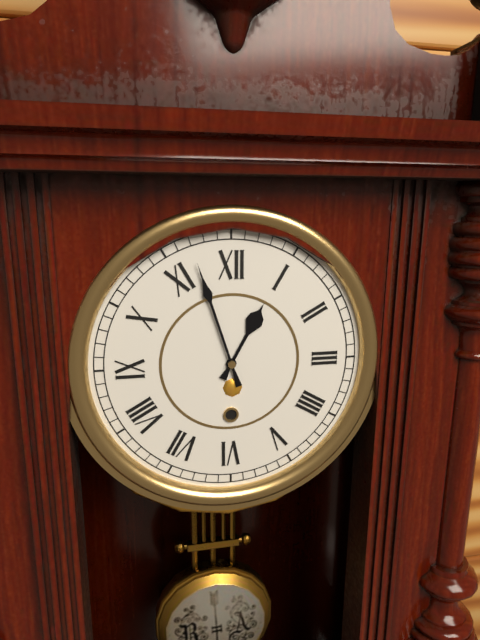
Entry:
12:57
